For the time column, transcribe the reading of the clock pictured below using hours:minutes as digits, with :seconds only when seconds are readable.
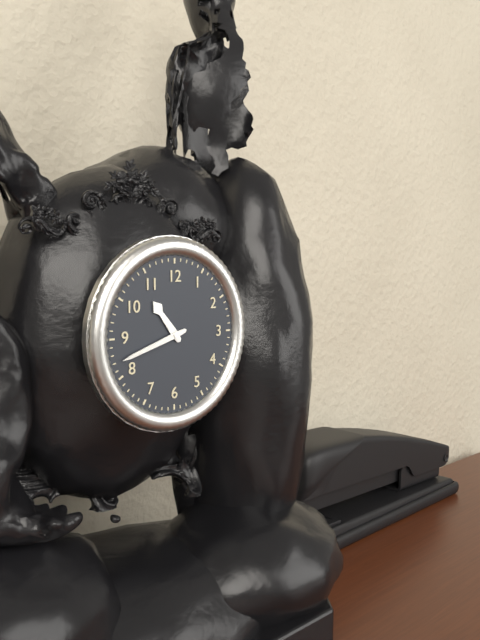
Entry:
10:42
